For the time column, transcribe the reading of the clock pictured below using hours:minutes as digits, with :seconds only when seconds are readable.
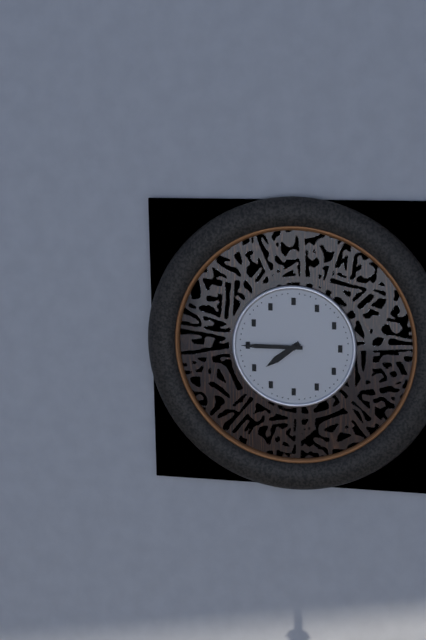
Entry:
7:45
